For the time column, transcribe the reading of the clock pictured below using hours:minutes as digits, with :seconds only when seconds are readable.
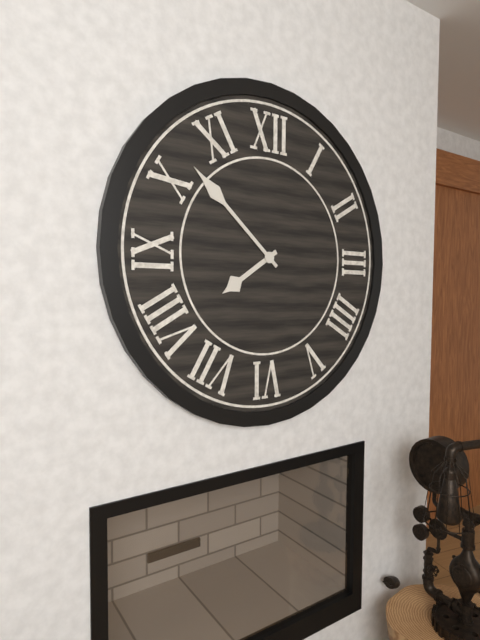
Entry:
7:52
